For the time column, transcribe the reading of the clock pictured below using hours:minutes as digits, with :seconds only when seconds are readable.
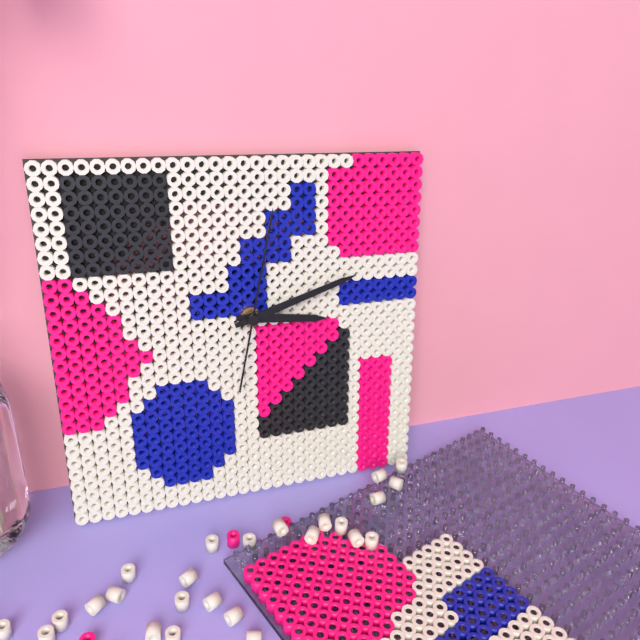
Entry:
3:12:02
